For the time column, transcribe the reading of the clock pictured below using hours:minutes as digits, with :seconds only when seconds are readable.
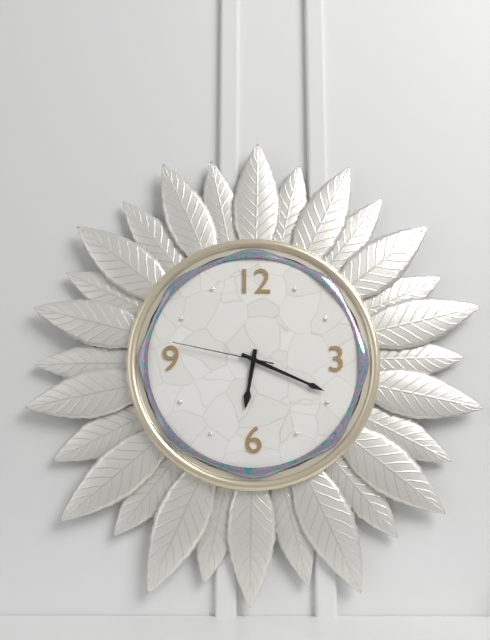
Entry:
6:19:47
